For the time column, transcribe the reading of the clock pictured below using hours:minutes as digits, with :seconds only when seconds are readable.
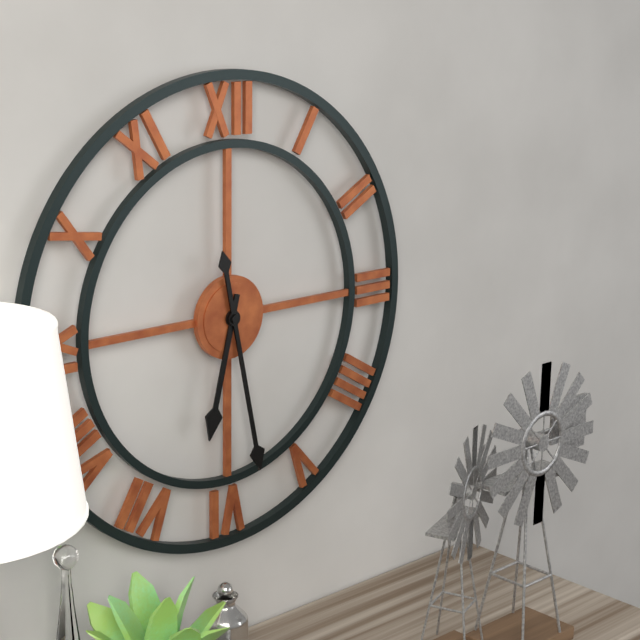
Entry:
6:28
